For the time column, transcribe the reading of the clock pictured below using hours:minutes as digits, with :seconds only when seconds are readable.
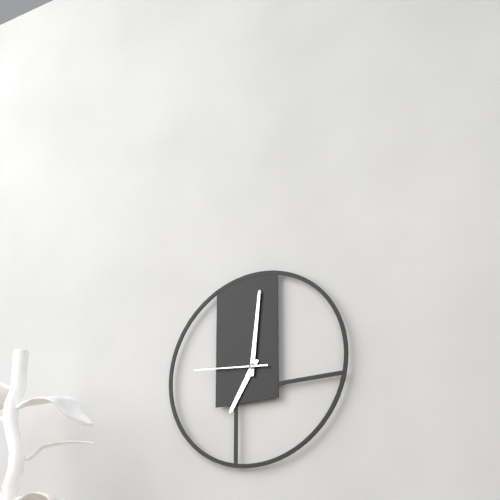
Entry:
7:01:46
